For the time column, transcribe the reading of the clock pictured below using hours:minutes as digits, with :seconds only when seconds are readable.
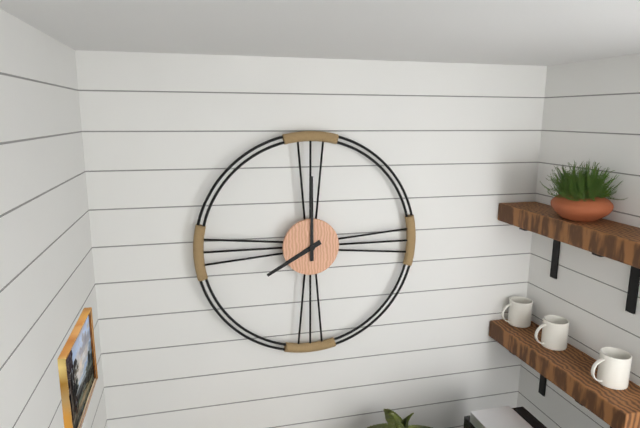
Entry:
8:00
